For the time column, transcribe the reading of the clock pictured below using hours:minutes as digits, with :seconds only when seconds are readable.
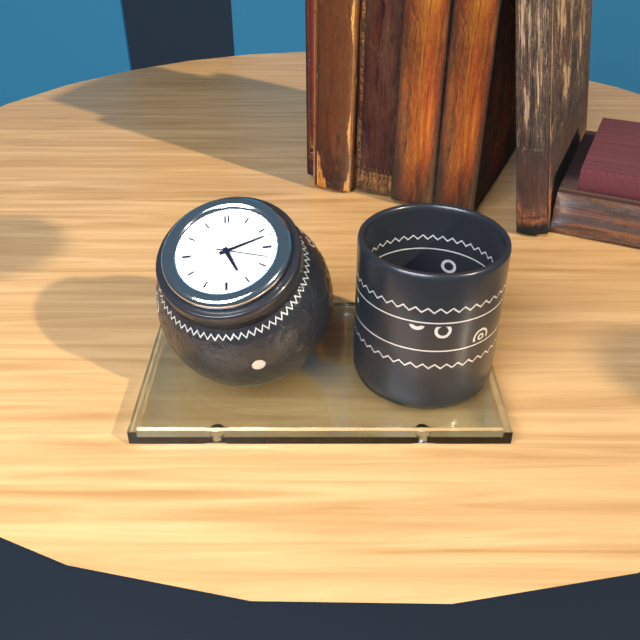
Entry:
5:12:18
